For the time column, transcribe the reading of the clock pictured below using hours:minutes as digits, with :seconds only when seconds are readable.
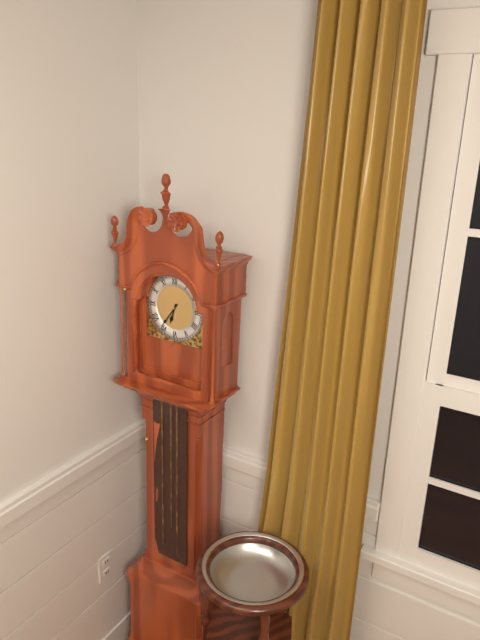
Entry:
6:36
